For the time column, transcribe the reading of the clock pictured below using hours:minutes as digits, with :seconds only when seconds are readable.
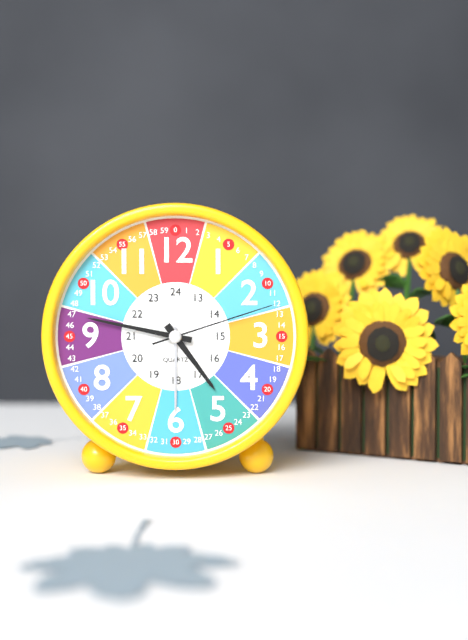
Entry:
4:47:12
